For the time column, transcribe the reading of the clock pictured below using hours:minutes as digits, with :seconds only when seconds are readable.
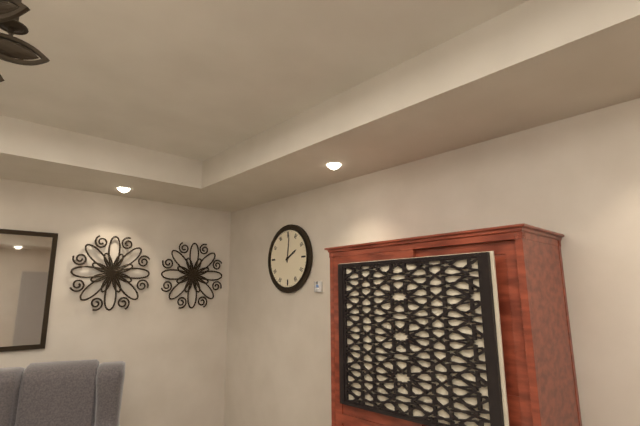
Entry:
2:01
